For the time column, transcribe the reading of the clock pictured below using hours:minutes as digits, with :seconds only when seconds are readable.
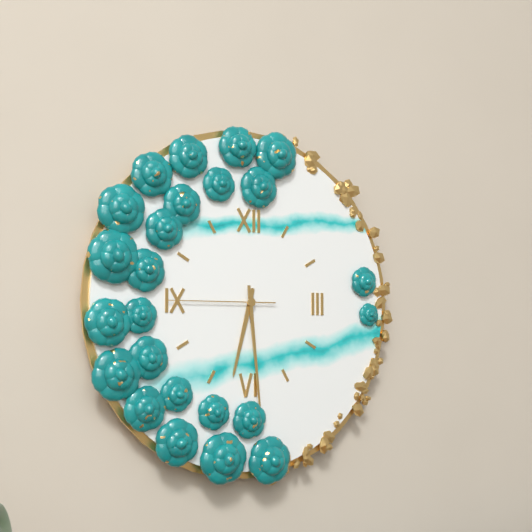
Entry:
6:29:45
